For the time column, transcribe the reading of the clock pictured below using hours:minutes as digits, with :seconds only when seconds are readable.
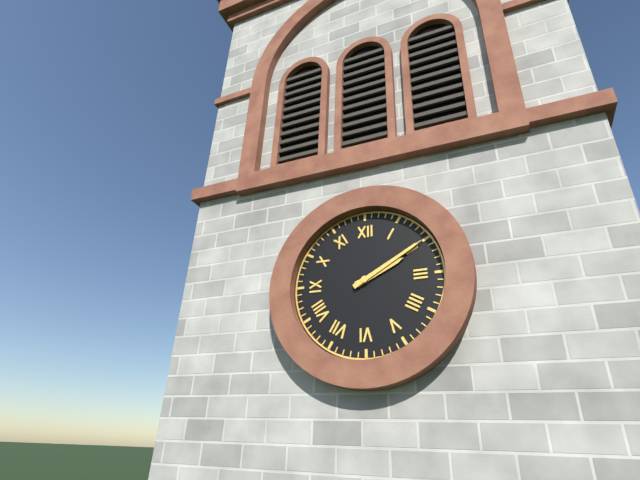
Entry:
2:10
